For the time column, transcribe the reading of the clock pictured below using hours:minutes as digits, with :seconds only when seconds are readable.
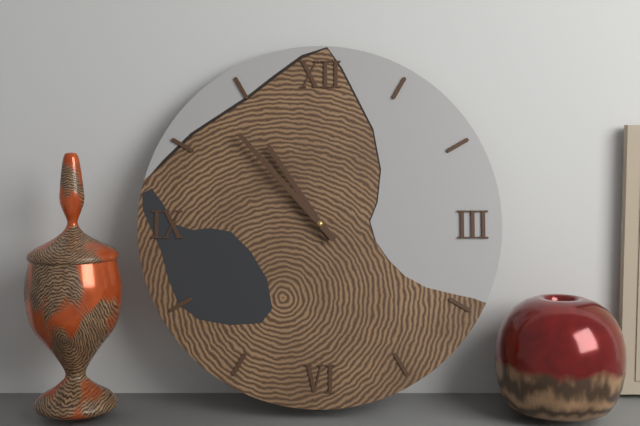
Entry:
10:53
